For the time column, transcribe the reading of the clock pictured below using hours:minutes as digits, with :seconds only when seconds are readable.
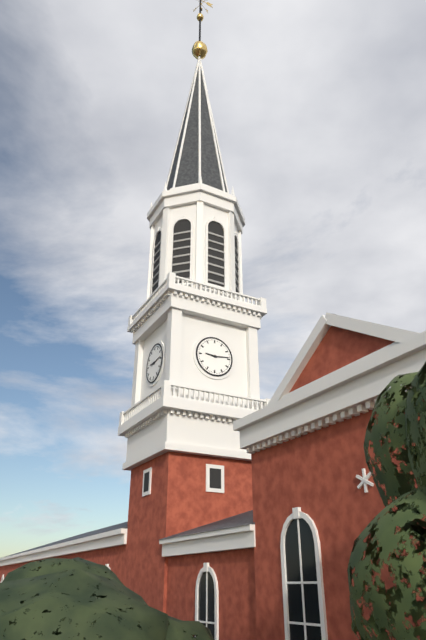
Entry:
9:14
